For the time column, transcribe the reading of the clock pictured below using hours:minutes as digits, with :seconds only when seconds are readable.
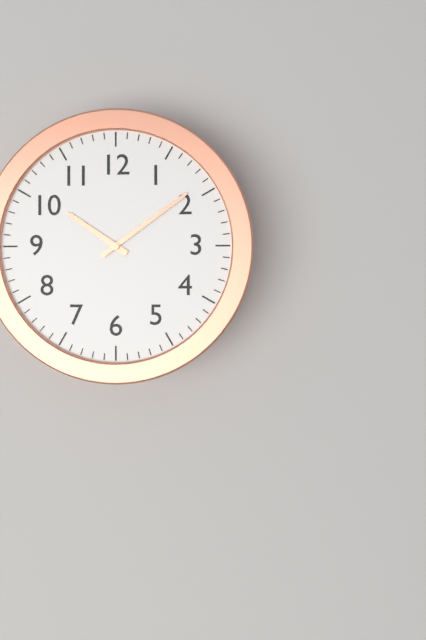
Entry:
10:09
